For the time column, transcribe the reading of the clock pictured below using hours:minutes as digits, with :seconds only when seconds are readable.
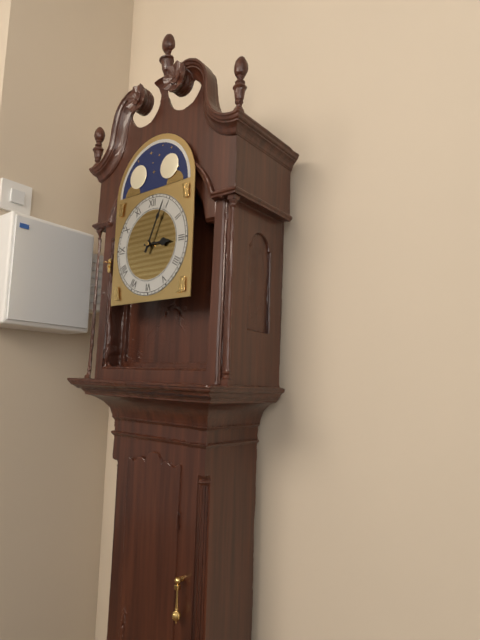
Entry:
3:04
